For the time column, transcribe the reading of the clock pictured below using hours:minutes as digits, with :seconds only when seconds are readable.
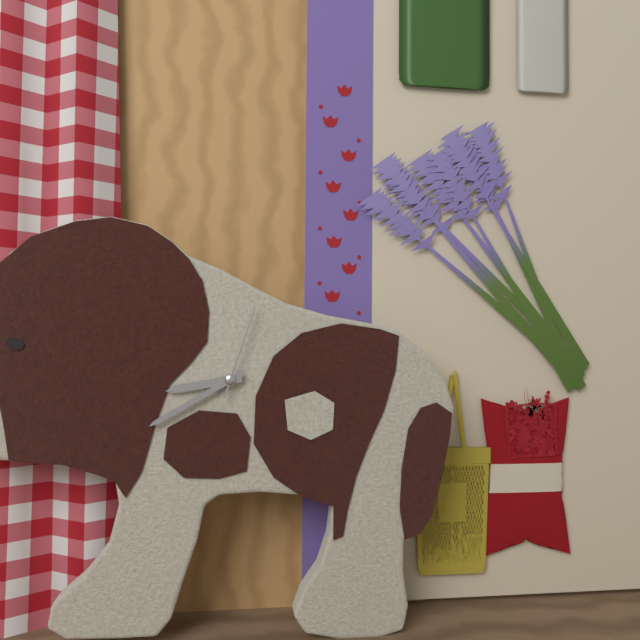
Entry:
8:40:03
